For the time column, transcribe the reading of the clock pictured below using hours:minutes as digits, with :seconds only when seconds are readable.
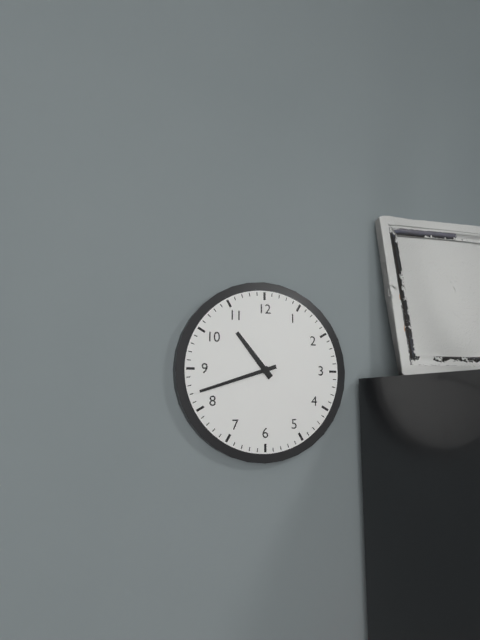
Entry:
10:42
